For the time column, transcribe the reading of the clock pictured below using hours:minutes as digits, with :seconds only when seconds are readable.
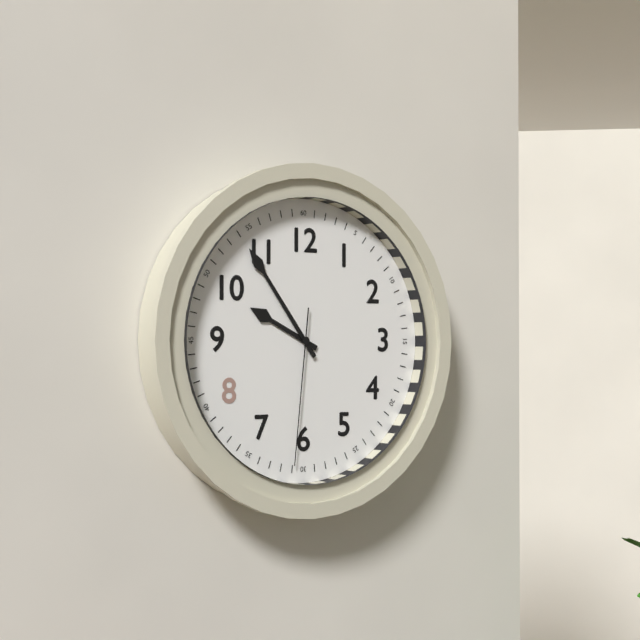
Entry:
9:54:31
